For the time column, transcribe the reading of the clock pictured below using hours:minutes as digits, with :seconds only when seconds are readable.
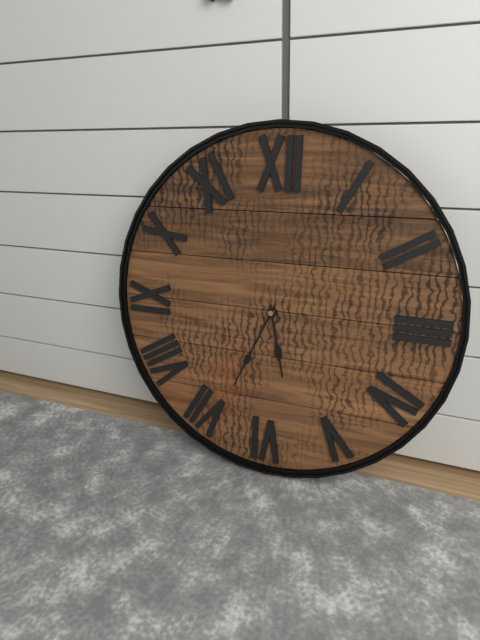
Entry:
5:34
